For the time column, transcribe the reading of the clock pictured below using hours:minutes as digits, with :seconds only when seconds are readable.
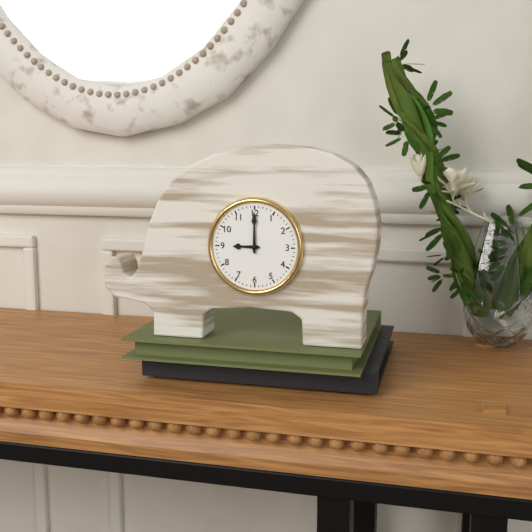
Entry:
9:00
